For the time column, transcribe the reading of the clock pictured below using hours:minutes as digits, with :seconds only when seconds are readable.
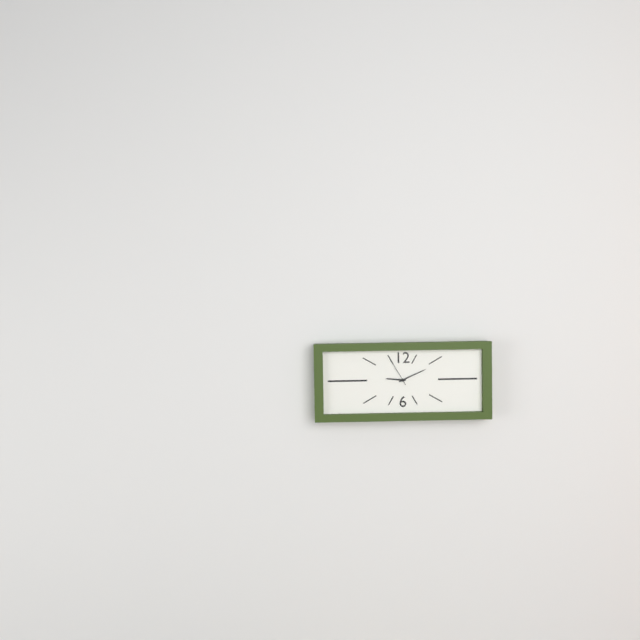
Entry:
9:11
